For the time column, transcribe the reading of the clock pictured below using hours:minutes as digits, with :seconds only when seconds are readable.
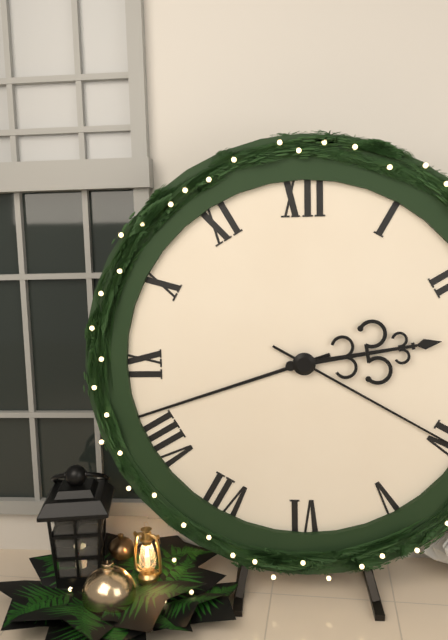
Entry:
2:42
